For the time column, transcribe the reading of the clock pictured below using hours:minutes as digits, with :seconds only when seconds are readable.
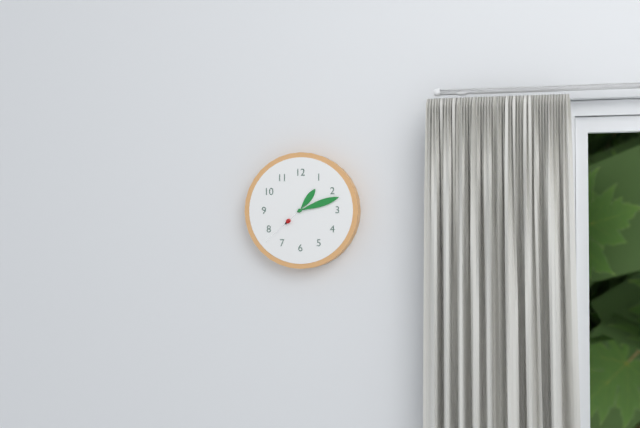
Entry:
1:12:38
